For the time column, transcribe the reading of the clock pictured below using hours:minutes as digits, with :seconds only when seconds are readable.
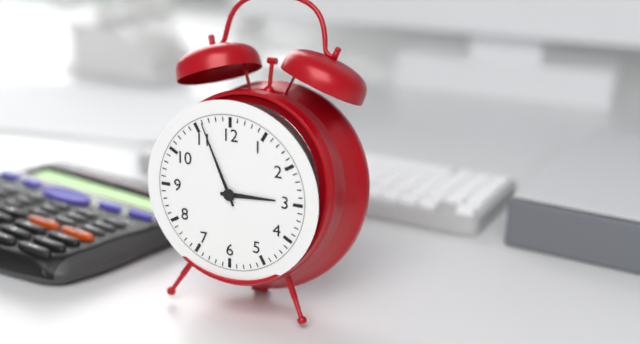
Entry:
2:56
